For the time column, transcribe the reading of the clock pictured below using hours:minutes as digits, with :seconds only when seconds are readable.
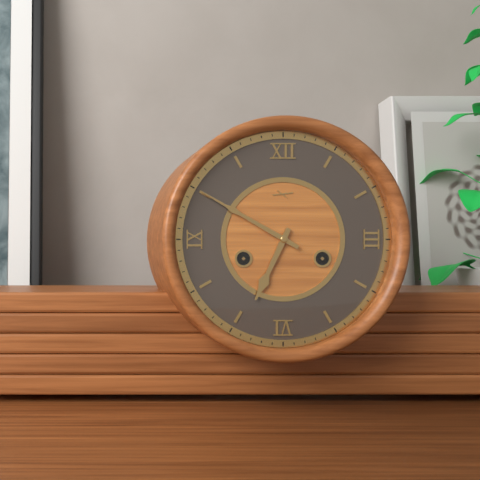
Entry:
6:50
